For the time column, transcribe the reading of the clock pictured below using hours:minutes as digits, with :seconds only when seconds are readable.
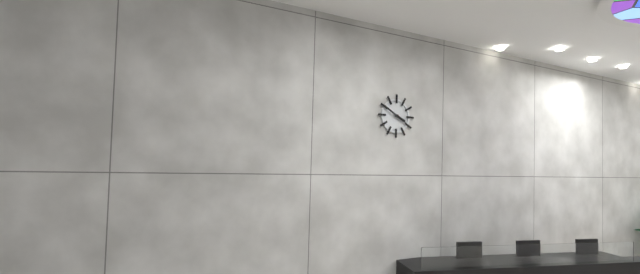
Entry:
3:50
